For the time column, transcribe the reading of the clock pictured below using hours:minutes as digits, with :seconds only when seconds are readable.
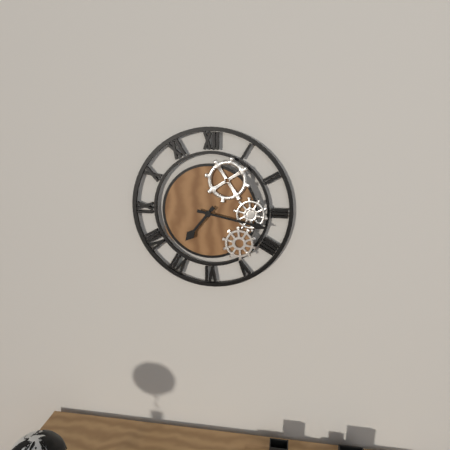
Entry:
7:17
